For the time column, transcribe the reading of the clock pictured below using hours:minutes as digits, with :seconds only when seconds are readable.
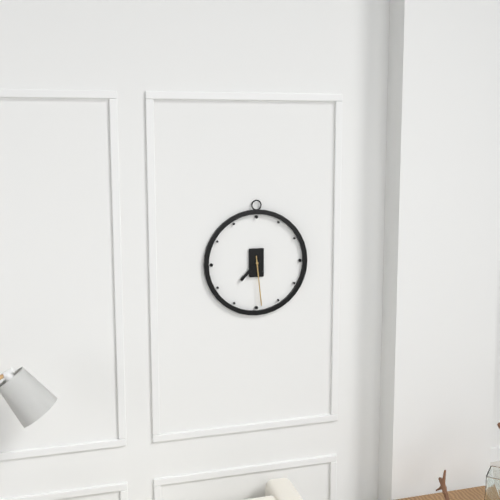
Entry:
7:29
